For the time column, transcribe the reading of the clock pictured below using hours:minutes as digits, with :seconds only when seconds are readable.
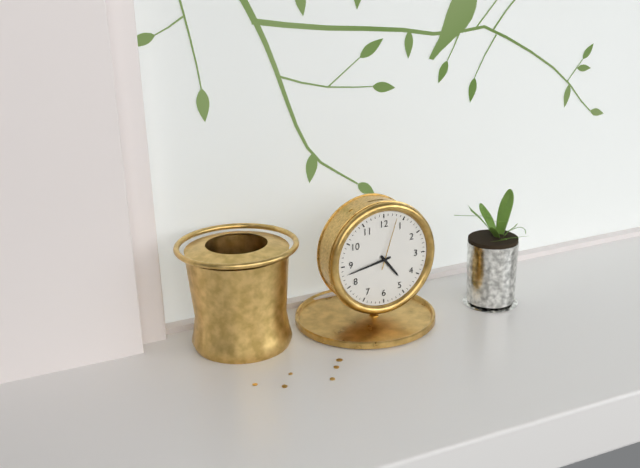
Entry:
4:43:03
